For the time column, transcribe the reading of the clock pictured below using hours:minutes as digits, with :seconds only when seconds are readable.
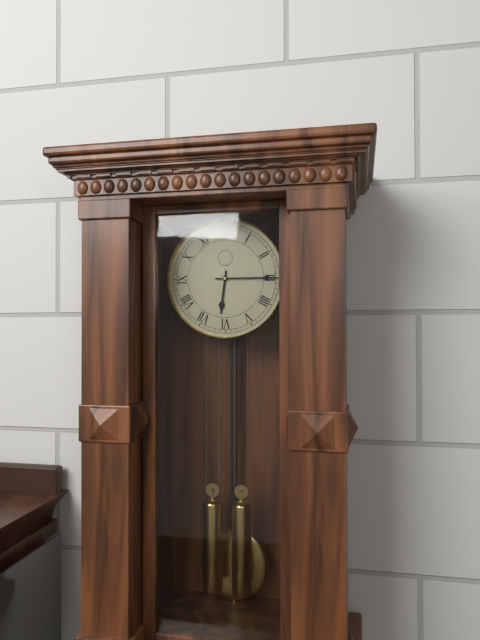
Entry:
6:15
